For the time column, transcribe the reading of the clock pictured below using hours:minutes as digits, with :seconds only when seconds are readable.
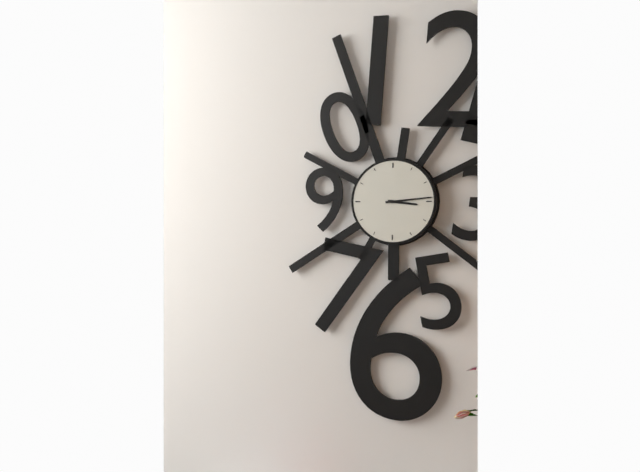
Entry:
3:14
